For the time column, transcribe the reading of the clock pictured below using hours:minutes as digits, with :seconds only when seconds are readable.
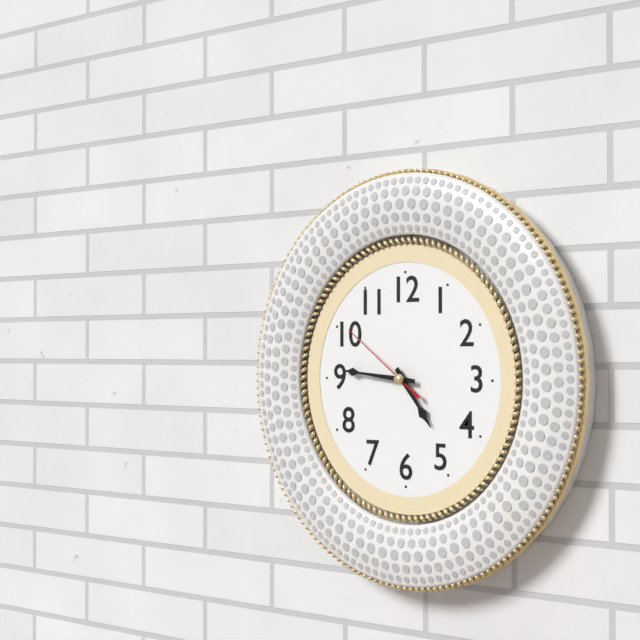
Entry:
4:46:51
